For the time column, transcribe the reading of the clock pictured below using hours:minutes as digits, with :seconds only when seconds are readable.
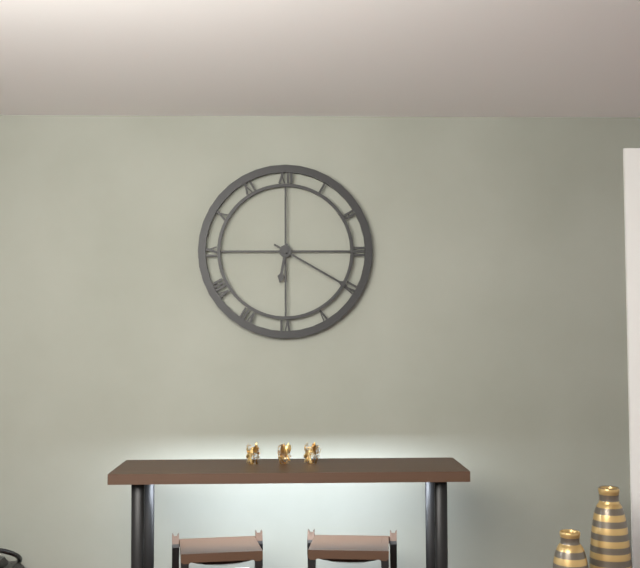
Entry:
6:20
